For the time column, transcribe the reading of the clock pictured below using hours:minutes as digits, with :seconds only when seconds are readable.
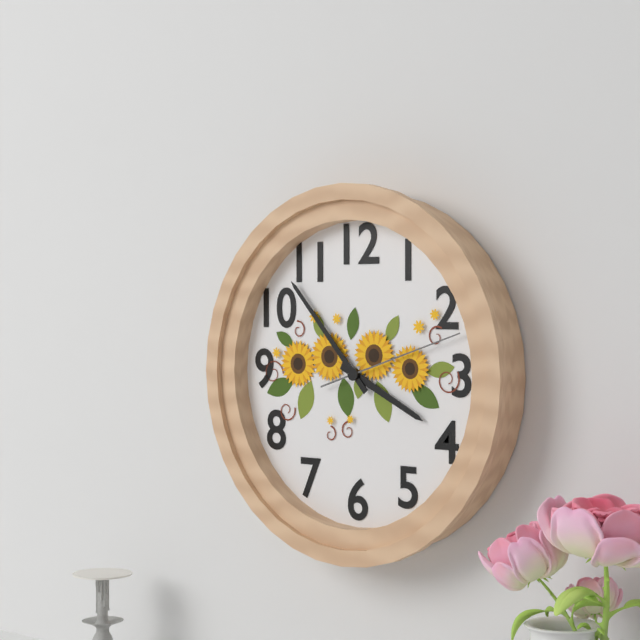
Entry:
3:53:12
